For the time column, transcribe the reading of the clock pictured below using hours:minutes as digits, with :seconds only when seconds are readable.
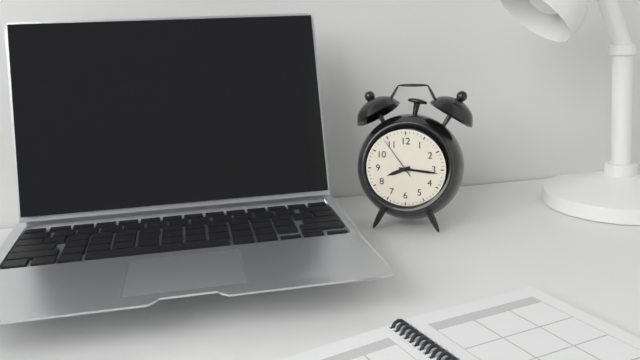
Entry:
8:16
